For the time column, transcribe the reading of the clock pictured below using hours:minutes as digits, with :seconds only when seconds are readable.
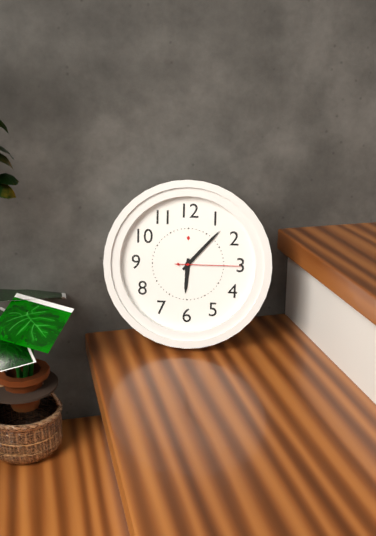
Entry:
6:07:15
